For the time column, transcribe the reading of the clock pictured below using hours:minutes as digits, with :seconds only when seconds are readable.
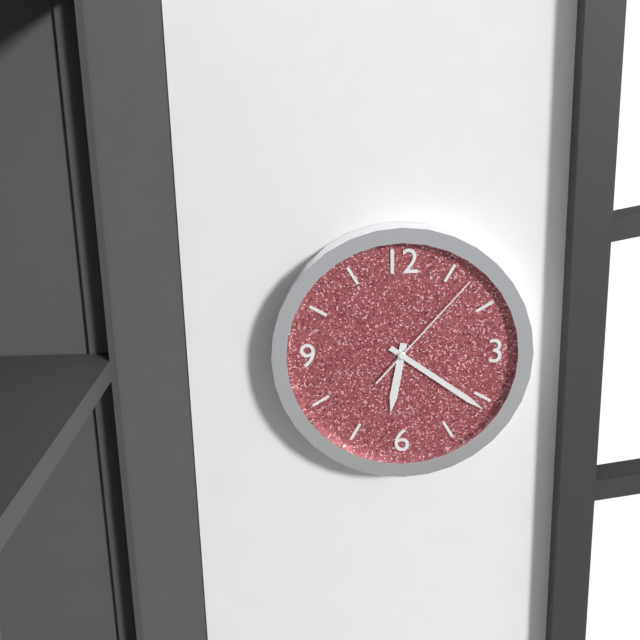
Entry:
6:21:07
